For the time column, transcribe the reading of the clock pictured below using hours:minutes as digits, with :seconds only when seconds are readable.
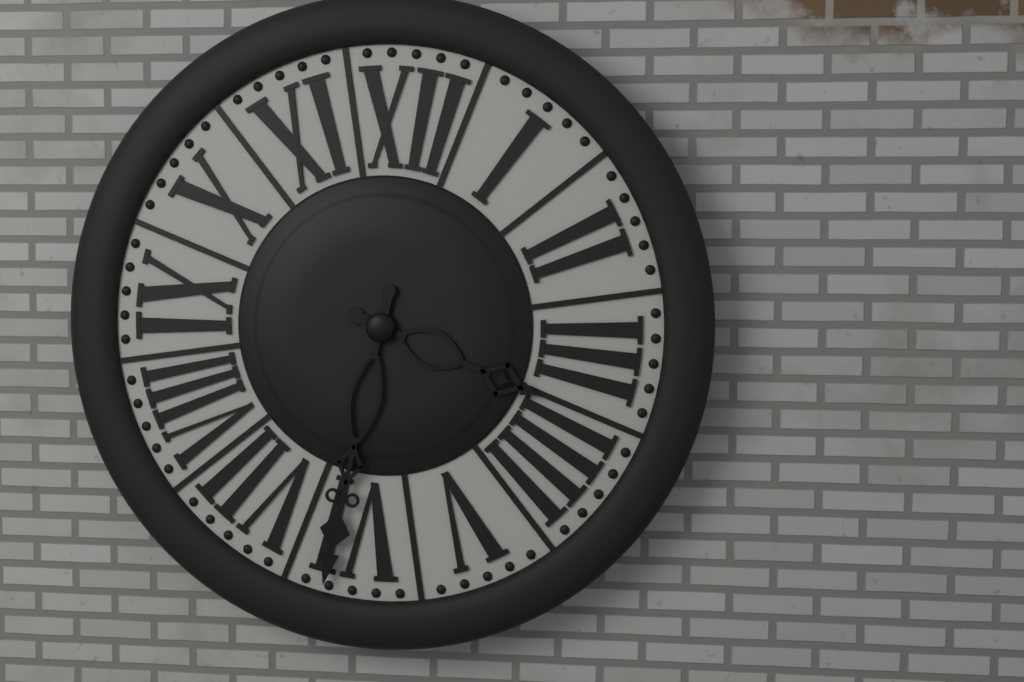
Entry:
3:31
